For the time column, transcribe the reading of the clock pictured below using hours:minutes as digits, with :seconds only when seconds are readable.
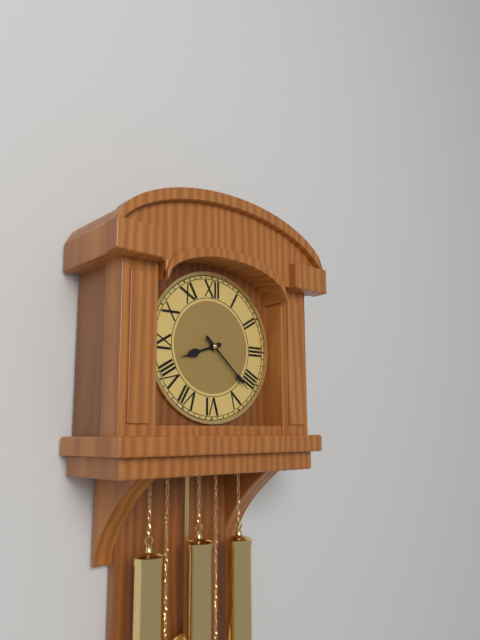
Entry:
8:22
